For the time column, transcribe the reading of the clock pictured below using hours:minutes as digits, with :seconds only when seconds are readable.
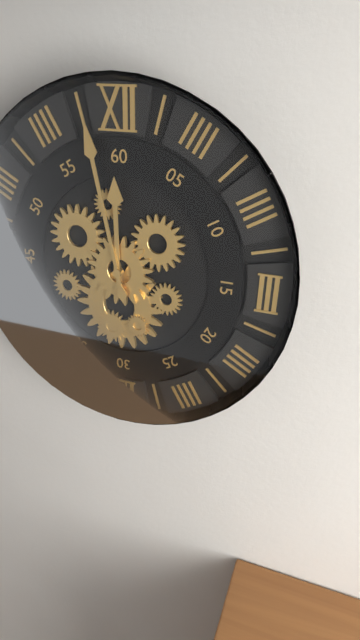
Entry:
11:58
